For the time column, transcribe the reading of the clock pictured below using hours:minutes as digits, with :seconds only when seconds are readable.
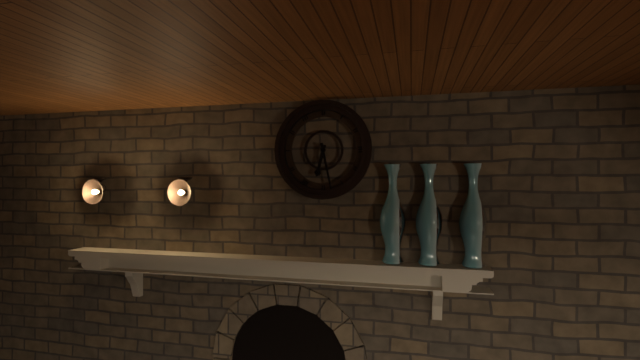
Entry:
6:28
